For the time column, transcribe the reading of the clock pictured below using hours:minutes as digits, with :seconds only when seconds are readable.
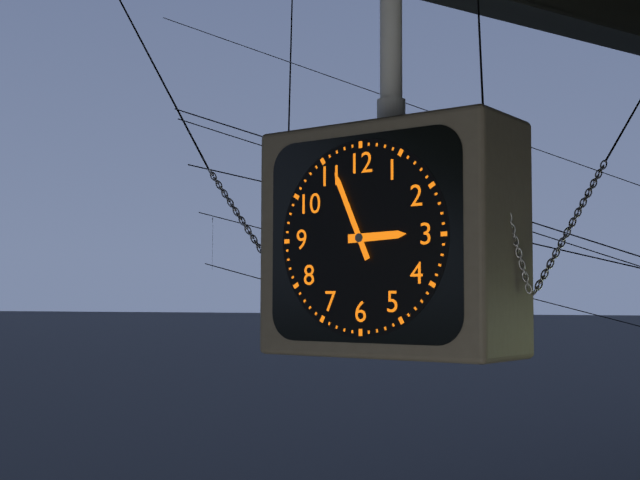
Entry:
2:56
